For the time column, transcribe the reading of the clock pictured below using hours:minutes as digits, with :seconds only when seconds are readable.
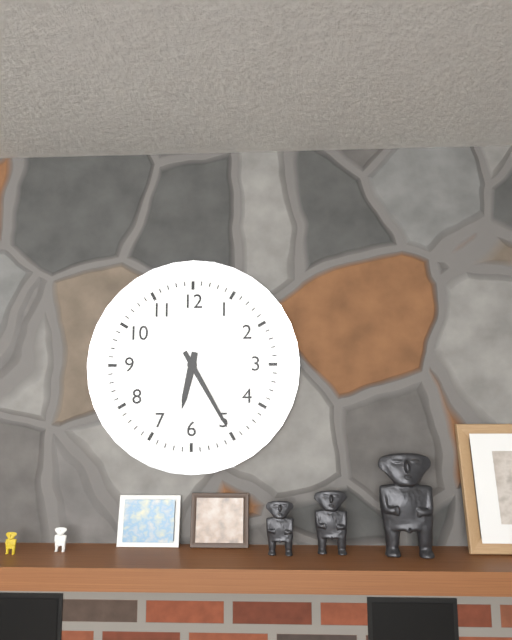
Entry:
6:25
